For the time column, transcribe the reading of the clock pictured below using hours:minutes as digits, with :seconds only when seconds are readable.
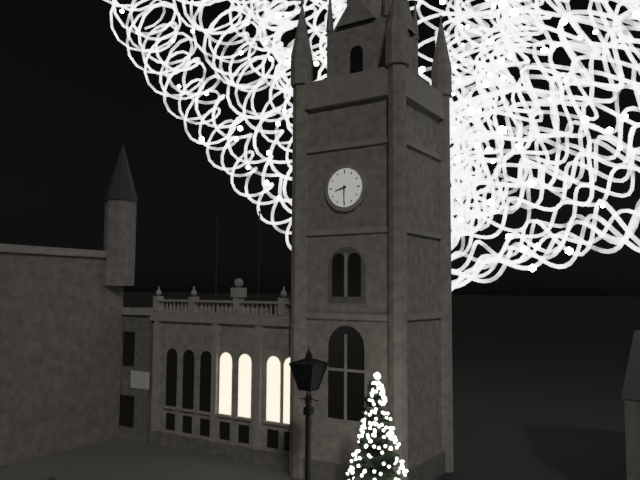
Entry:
8:30
